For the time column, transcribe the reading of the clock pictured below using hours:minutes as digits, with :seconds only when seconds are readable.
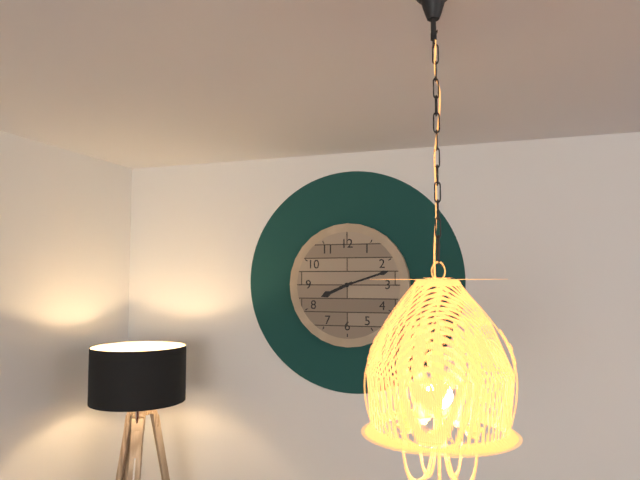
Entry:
8:12
